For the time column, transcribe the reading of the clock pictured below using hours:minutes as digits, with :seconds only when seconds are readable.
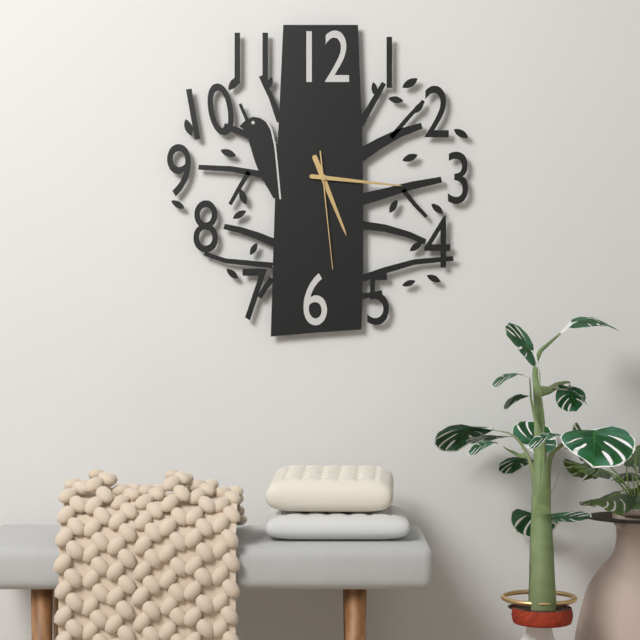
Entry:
5:16:29
